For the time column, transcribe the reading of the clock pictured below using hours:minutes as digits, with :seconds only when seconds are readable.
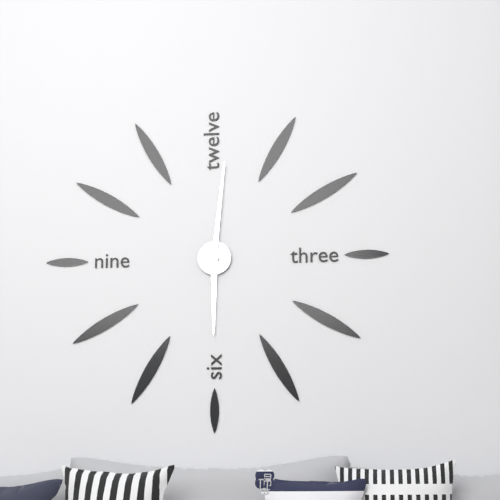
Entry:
6:01
